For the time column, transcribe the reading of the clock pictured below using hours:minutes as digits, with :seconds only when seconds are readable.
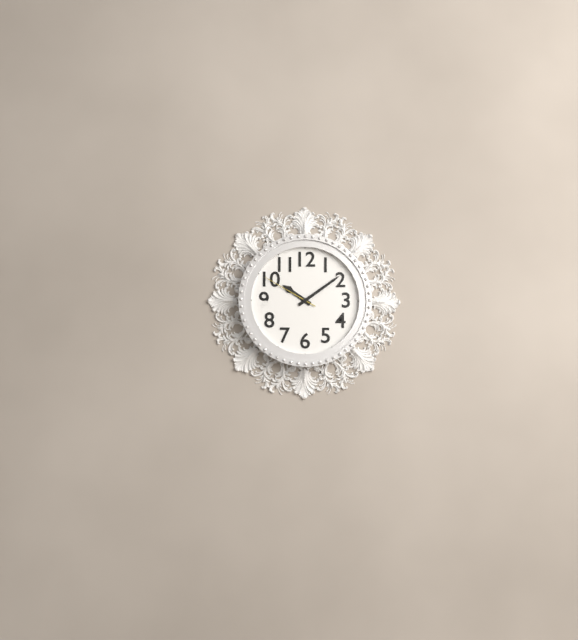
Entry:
10:09:50
